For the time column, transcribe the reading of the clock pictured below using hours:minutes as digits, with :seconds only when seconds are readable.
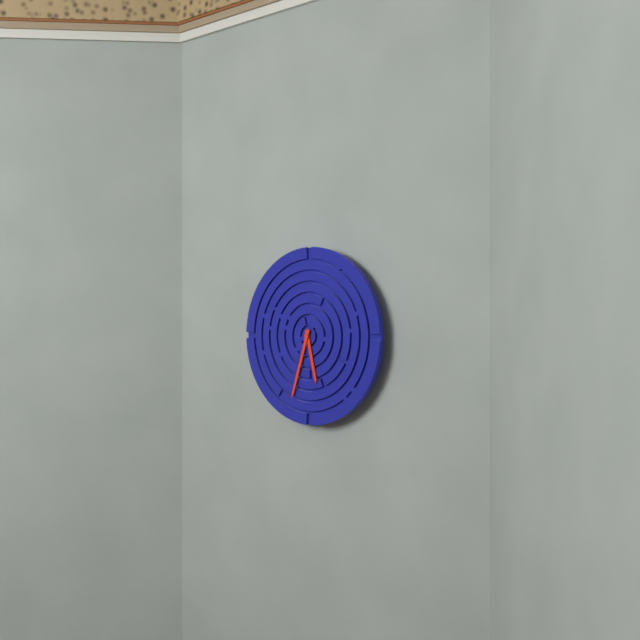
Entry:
5:33
